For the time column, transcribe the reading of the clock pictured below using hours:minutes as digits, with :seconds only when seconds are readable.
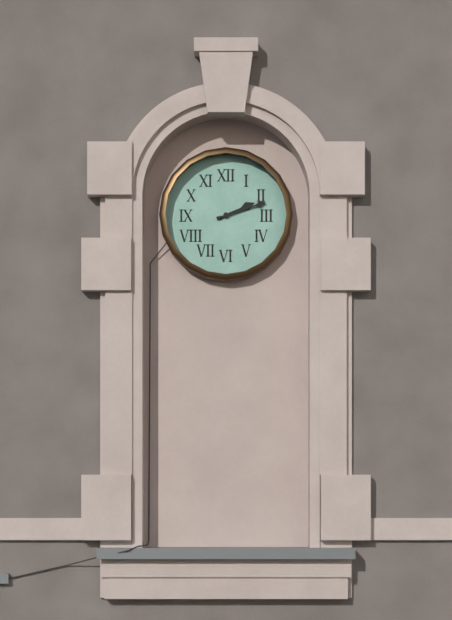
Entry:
2:12
